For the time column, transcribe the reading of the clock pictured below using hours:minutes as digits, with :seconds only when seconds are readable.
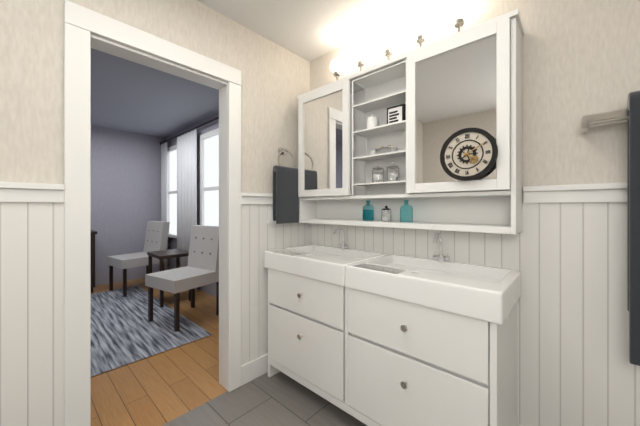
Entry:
4:10
